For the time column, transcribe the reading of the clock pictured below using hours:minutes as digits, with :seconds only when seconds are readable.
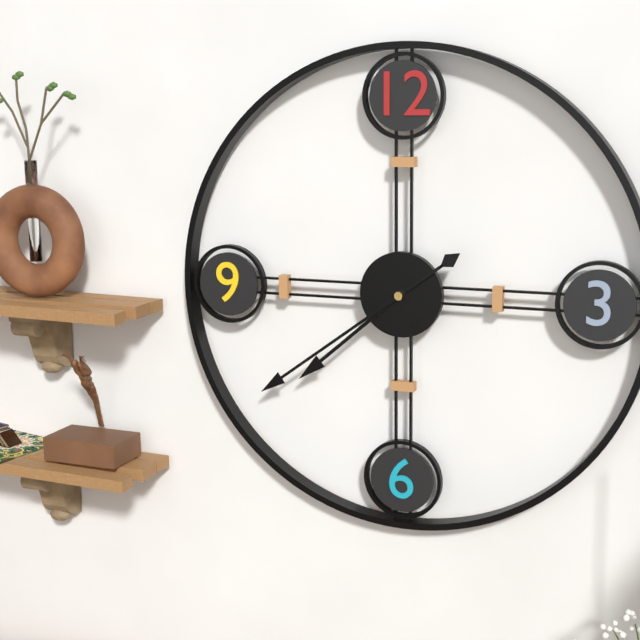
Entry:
7:39
